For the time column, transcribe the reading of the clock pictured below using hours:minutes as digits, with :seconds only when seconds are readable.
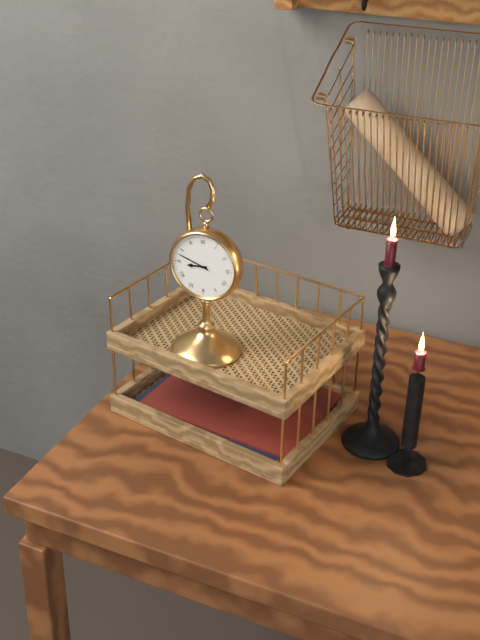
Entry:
8:48
